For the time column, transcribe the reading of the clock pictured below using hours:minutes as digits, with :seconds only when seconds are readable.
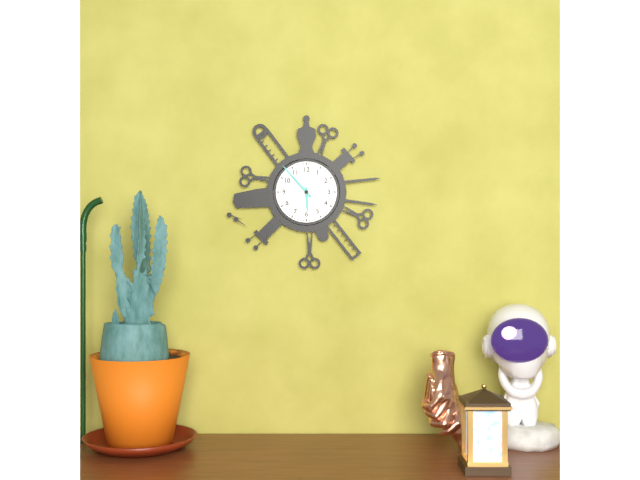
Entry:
5:53
